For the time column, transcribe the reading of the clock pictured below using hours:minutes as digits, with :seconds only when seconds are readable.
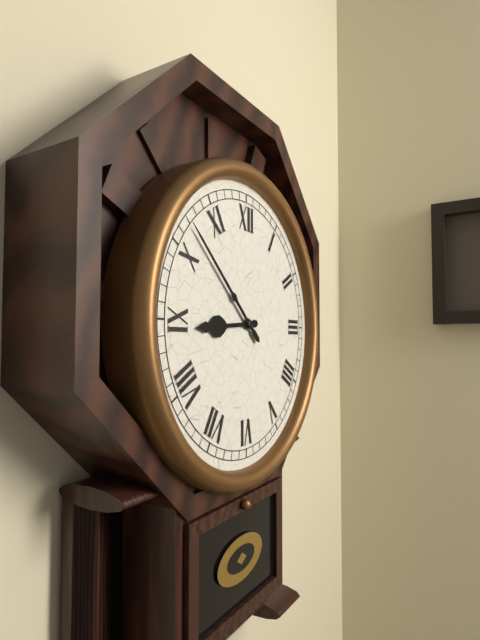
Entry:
8:52
